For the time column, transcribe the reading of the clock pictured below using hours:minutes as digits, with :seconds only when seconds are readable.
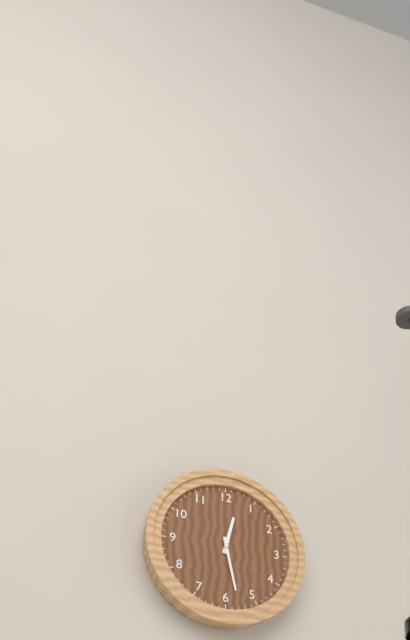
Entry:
12:28
